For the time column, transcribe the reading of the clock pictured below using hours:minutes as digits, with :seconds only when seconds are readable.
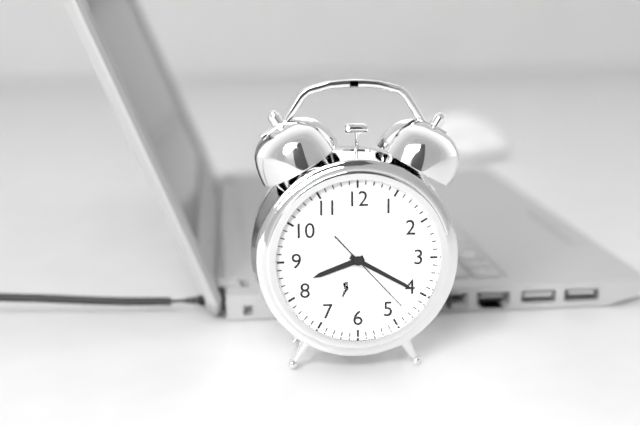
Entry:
8:20:23
